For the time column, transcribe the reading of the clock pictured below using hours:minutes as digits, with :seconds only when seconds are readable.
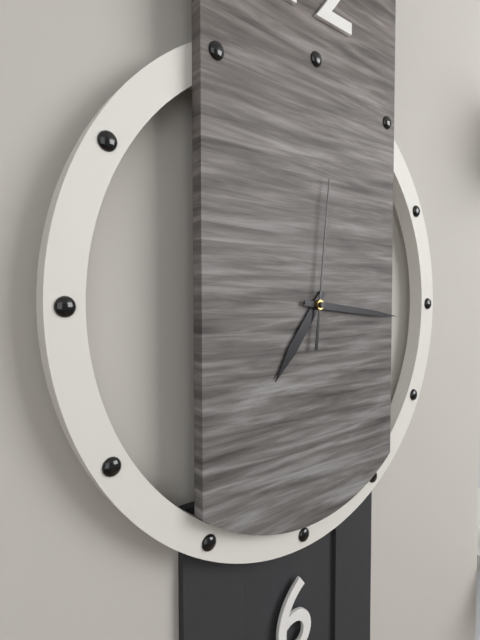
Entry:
7:16:01
